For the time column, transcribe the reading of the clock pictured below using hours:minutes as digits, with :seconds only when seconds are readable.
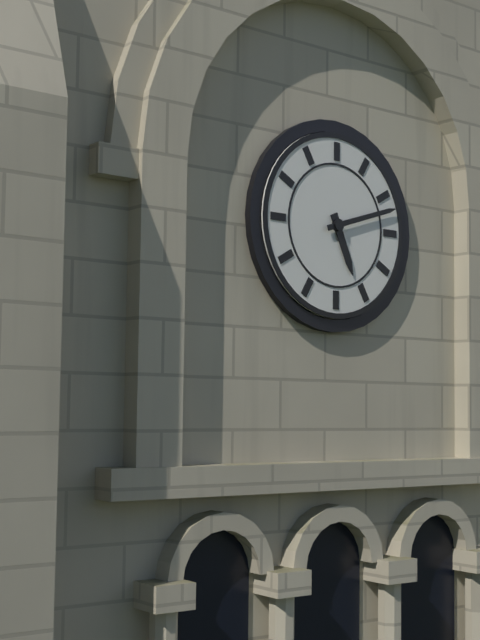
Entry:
5:12
